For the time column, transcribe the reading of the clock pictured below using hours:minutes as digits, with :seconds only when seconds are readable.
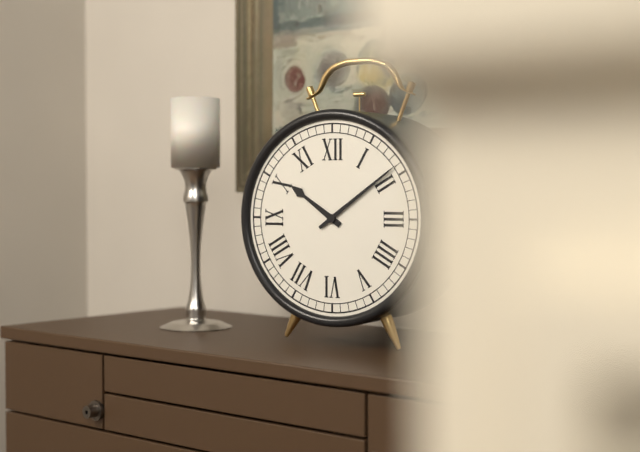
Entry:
10:09
